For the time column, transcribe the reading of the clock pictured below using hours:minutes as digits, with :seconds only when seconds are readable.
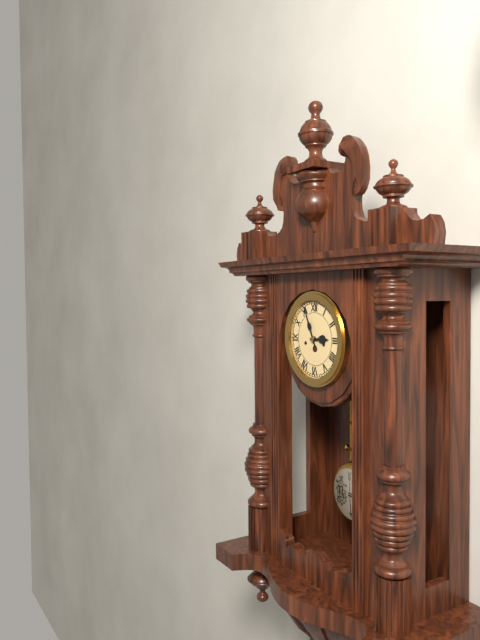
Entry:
2:56
